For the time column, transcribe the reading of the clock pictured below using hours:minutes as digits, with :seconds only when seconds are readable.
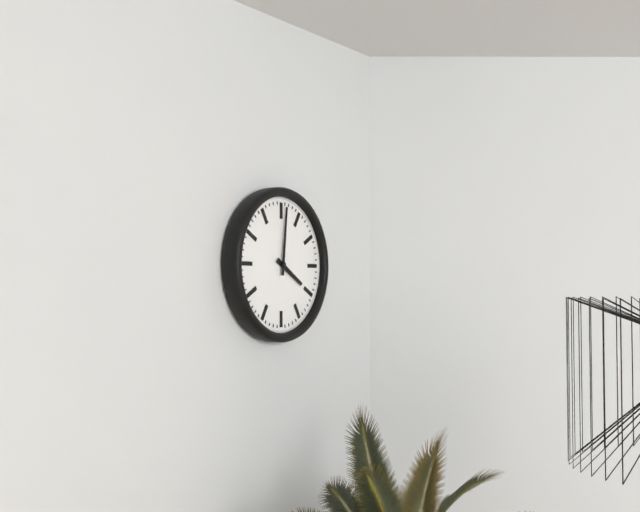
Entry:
4:01
